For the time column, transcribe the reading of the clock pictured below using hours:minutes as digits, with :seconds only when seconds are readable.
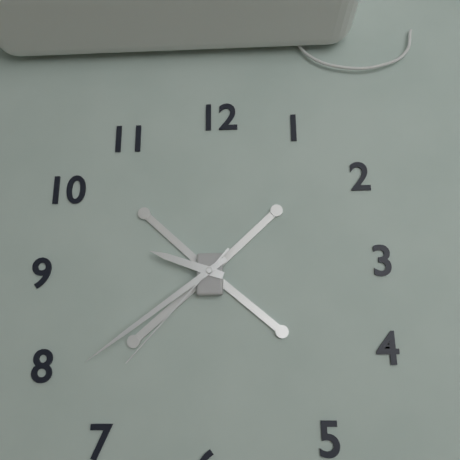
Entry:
9:39:37
